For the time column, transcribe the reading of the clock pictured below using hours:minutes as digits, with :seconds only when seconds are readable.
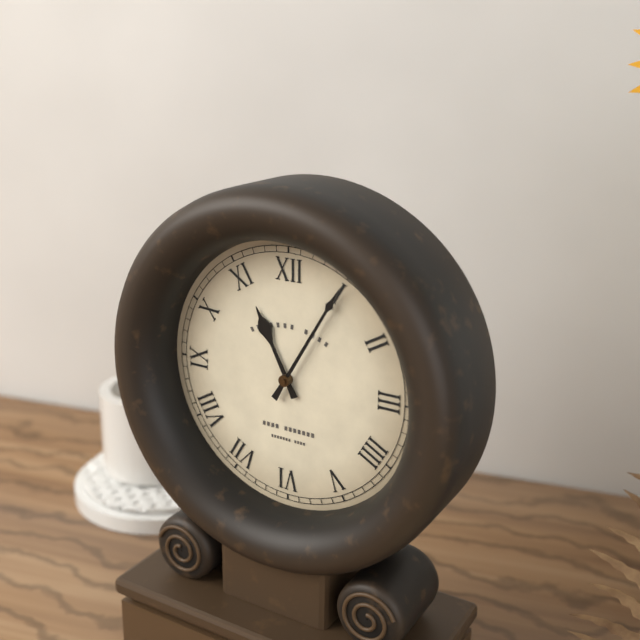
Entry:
11:05
